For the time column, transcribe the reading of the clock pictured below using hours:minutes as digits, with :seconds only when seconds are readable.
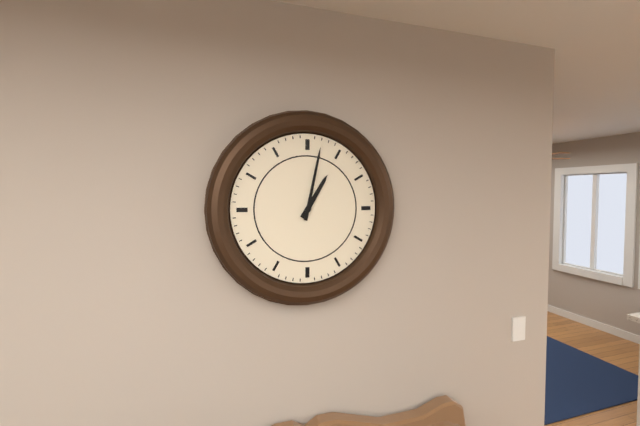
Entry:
1:02
